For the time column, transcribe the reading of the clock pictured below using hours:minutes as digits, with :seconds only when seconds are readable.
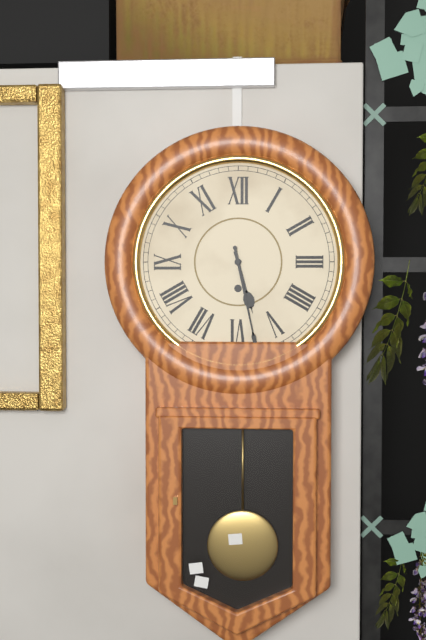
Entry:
5:28
